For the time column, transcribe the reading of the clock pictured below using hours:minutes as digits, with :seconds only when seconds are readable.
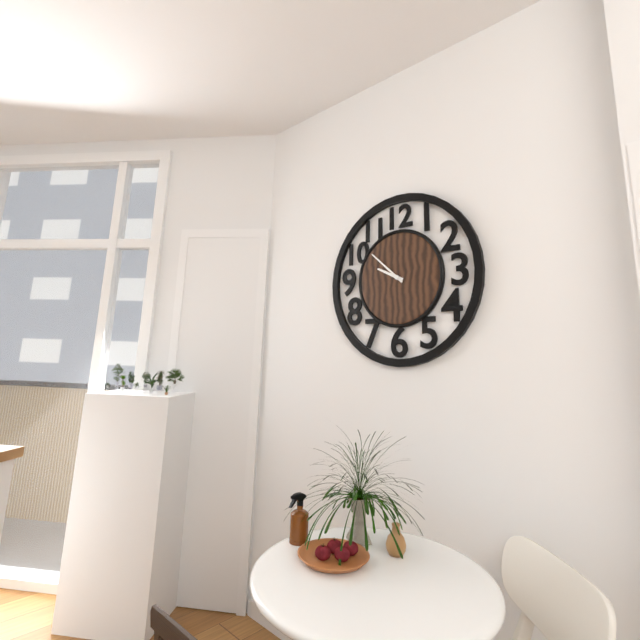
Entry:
9:52
